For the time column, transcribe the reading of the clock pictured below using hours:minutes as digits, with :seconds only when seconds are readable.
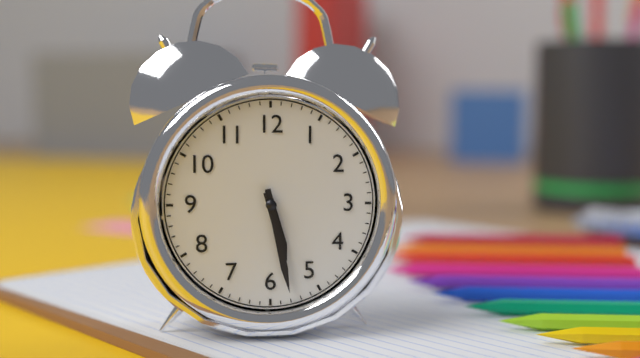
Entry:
5:28
